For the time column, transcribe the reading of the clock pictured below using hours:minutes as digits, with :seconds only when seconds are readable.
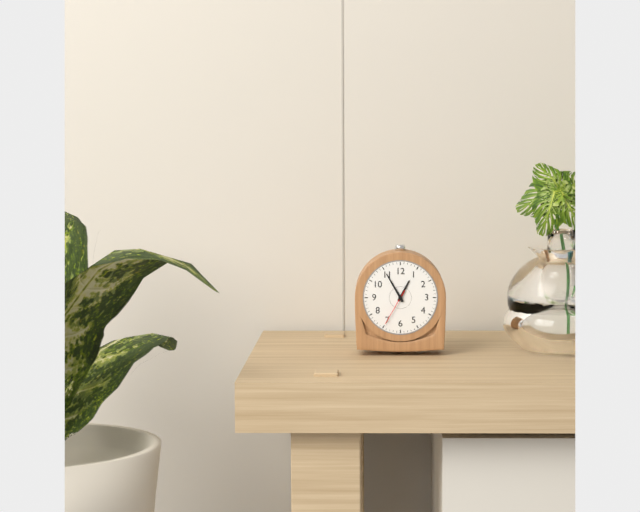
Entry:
12:55
